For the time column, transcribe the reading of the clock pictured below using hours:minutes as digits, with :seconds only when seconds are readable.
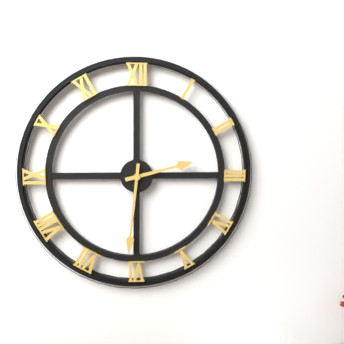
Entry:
2:31
